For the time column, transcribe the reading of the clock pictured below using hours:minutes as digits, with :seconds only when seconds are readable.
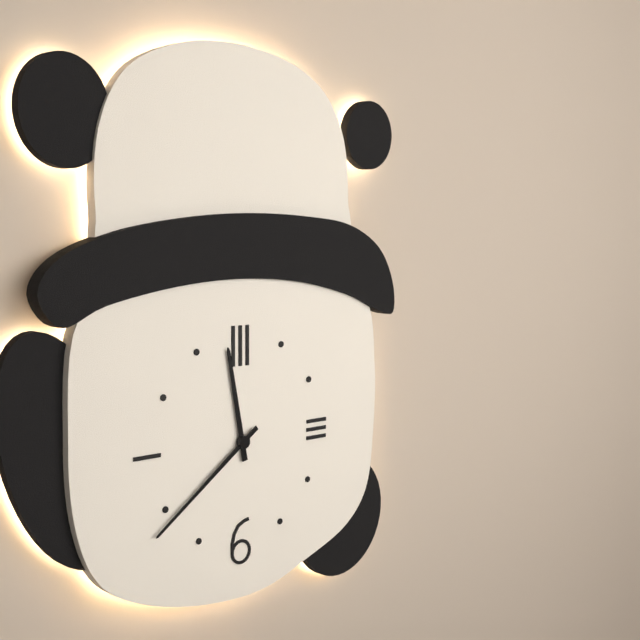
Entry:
11:39
